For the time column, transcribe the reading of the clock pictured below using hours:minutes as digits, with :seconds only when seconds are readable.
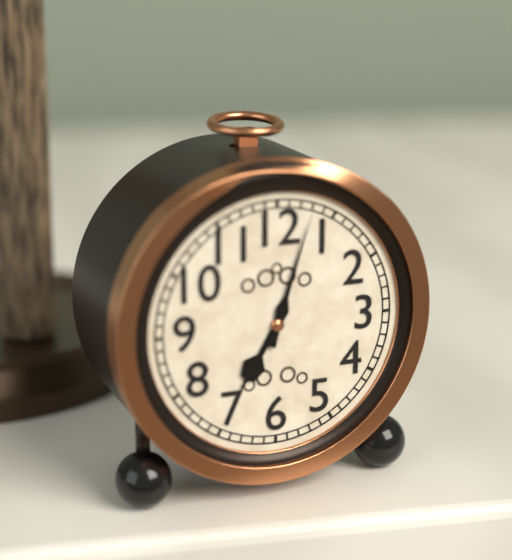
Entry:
7:03
